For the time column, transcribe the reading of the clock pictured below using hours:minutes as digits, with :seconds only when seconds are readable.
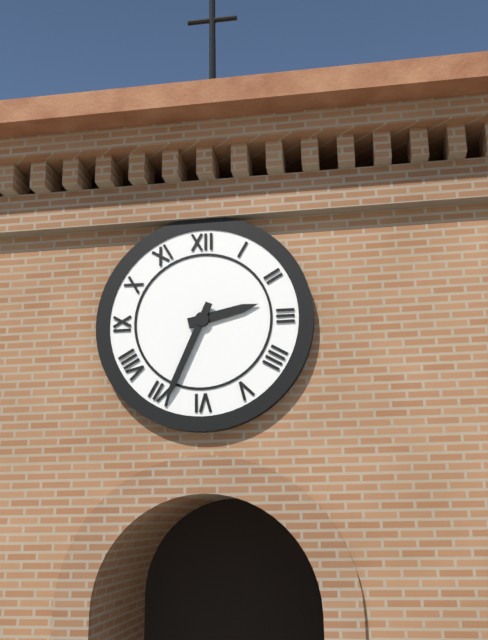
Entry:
2:34
